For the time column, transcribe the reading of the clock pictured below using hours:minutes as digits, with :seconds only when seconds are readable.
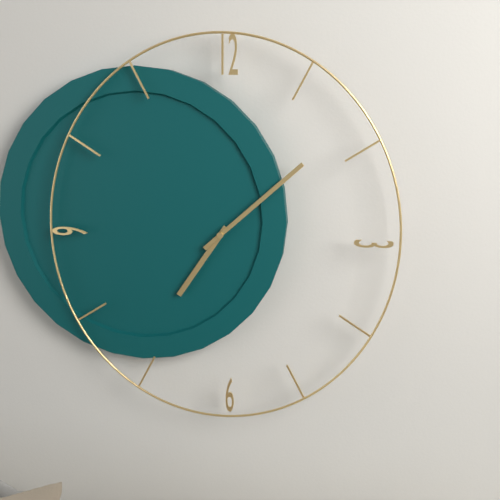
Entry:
7:08
